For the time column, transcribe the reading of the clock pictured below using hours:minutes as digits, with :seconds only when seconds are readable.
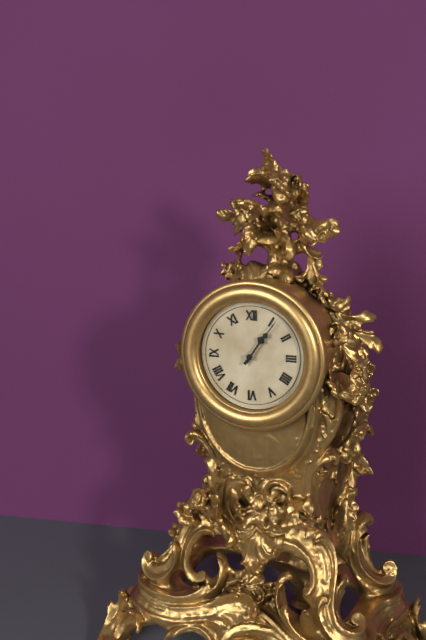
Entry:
1:06
